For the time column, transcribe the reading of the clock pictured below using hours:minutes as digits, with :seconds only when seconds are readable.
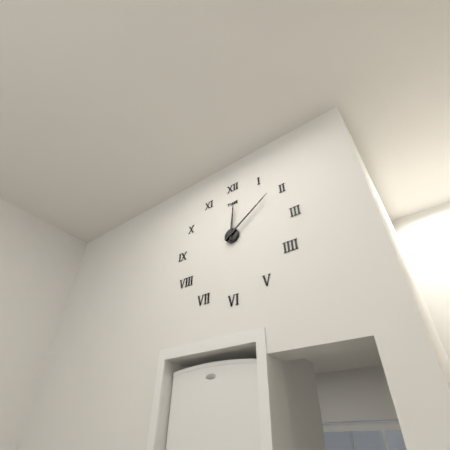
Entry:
12:09
